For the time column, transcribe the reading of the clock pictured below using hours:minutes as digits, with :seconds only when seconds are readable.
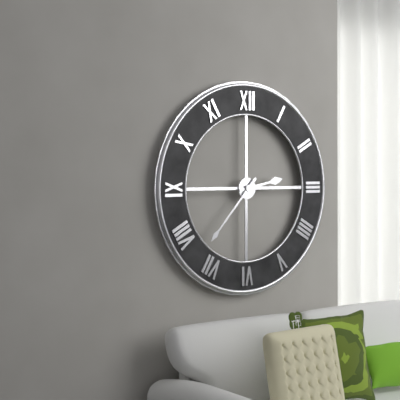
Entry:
2:37
